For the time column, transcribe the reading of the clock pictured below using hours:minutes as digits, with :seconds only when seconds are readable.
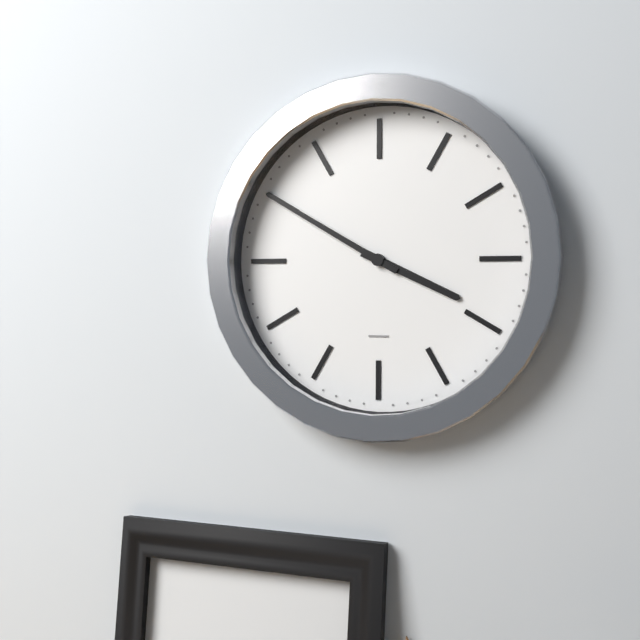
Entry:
3:50
